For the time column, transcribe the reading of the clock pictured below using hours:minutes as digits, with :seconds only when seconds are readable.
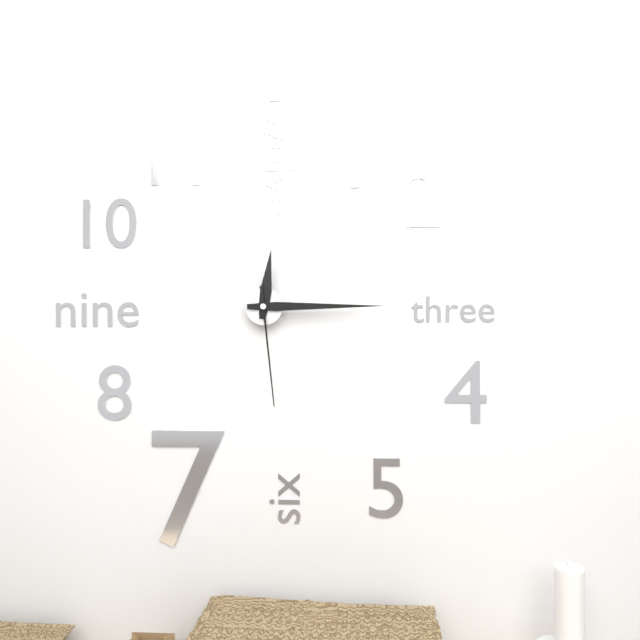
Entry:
12:15:29
